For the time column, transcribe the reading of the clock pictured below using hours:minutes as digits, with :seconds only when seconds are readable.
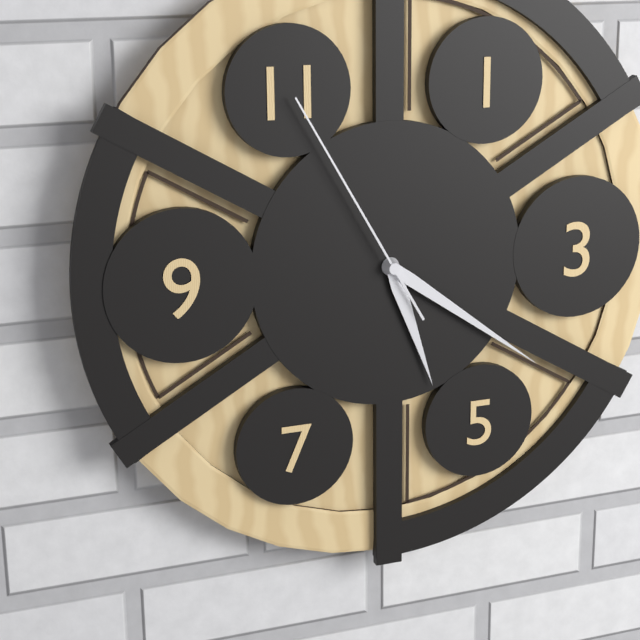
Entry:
5:21:55
